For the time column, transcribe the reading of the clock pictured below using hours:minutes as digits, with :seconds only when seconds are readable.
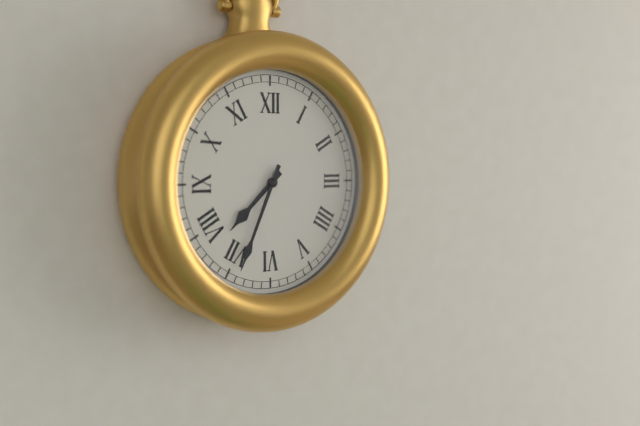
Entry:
7:34
